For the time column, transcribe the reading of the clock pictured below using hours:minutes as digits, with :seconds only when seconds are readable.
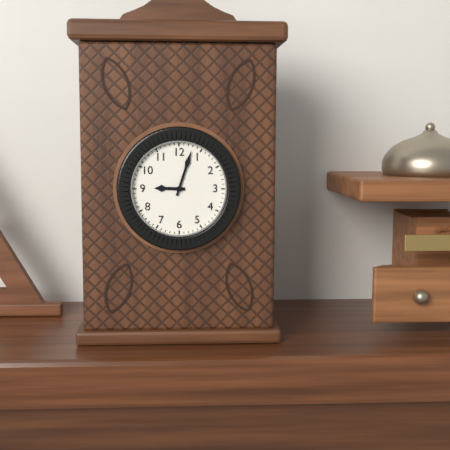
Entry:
9:03
